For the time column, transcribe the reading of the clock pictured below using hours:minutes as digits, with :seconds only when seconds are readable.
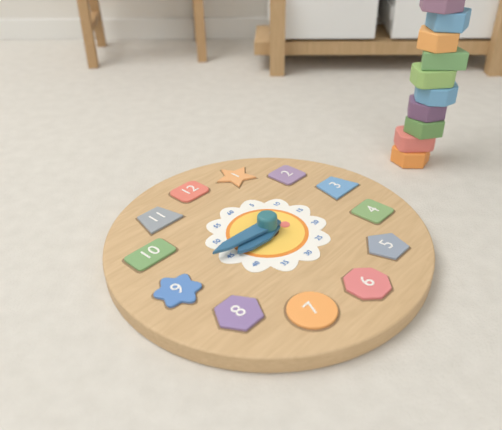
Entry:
8:46
